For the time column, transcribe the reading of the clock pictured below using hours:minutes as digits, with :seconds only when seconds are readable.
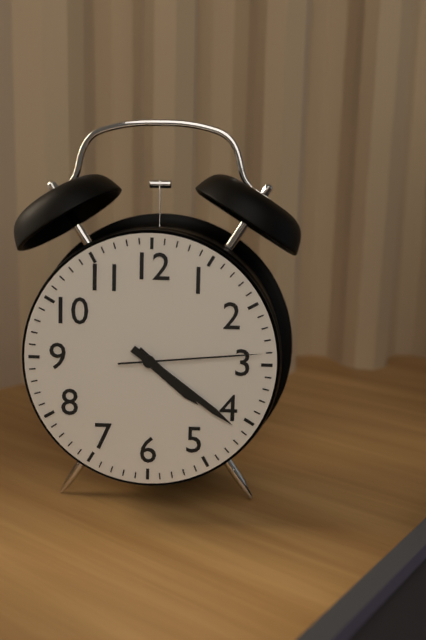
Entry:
4:21:14
